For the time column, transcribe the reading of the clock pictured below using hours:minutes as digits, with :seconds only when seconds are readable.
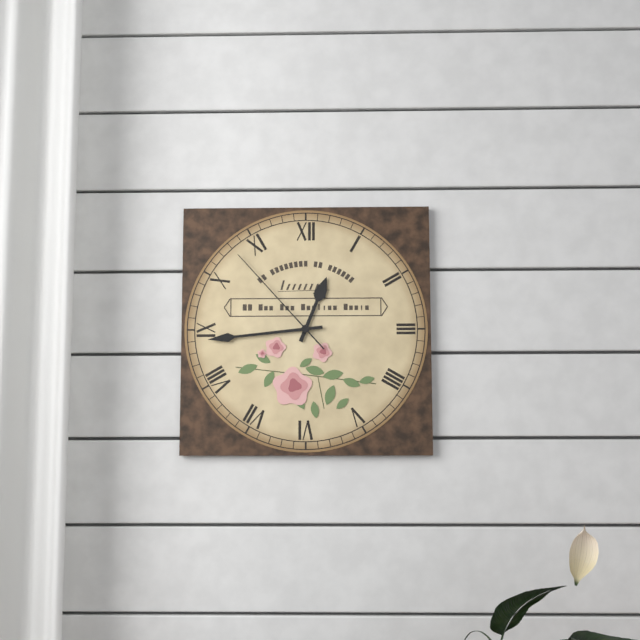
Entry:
12:44:53
